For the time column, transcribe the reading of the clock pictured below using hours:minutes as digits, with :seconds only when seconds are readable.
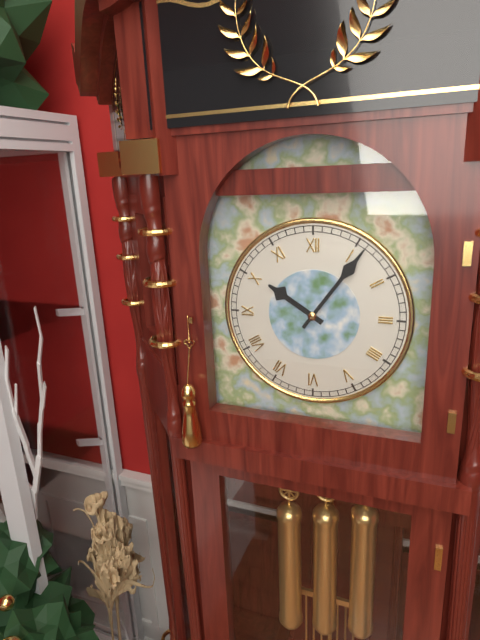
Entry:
10:06
